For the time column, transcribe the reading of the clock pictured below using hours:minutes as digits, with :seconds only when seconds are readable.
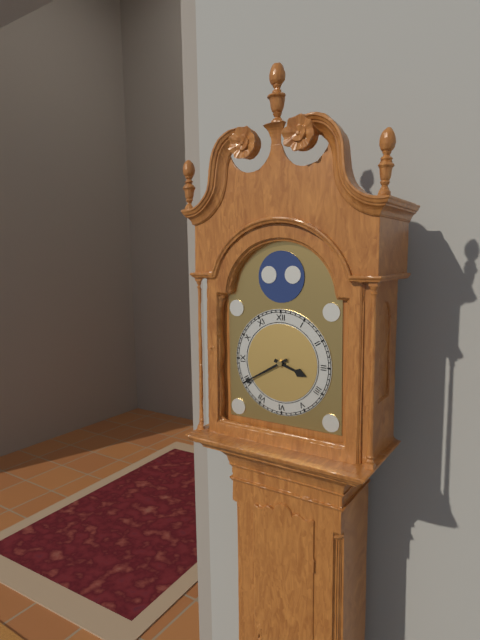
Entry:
3:40
